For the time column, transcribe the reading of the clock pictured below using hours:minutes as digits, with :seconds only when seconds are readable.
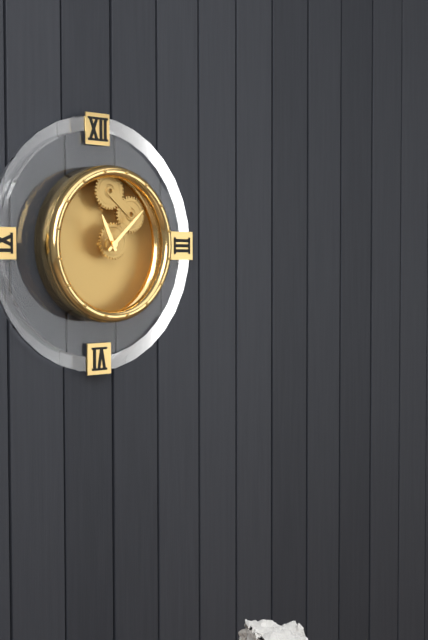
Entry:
11:08
